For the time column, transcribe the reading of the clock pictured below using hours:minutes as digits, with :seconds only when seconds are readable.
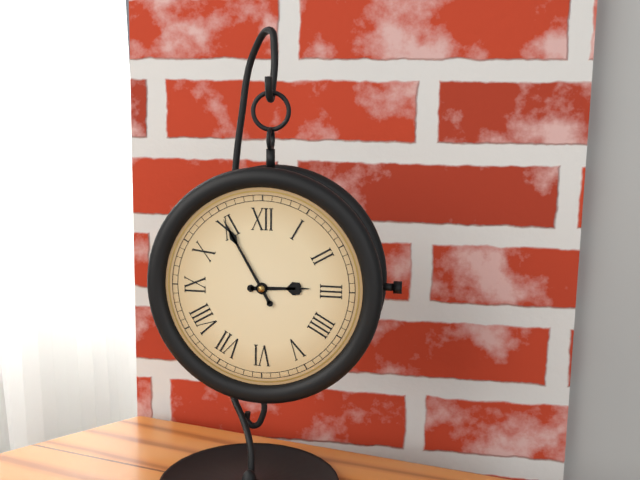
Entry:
2:55
